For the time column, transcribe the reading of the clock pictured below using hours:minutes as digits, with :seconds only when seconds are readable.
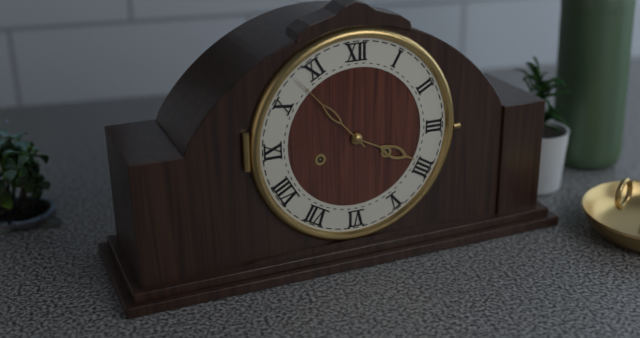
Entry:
3:53
